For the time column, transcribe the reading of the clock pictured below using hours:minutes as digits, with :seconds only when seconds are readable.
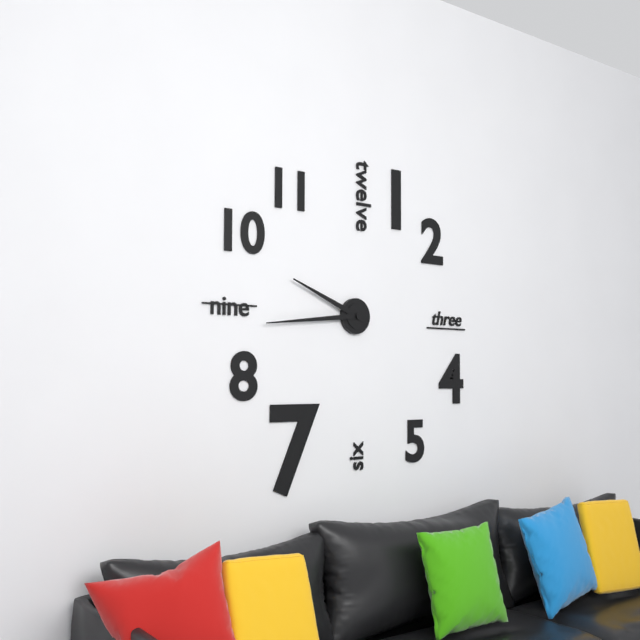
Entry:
9:44
